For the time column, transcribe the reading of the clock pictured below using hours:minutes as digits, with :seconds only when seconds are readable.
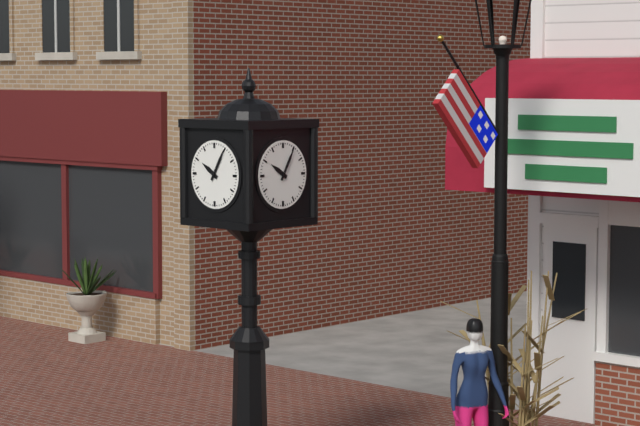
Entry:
10:05
